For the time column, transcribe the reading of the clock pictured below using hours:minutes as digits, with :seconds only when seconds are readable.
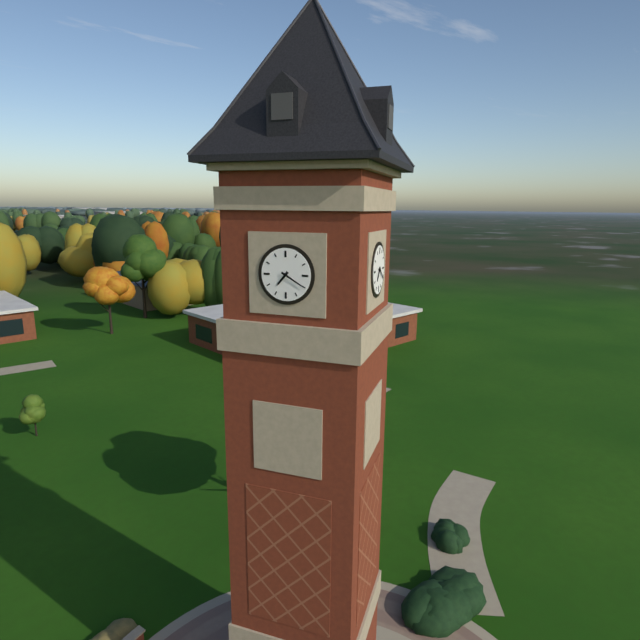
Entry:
7:20
